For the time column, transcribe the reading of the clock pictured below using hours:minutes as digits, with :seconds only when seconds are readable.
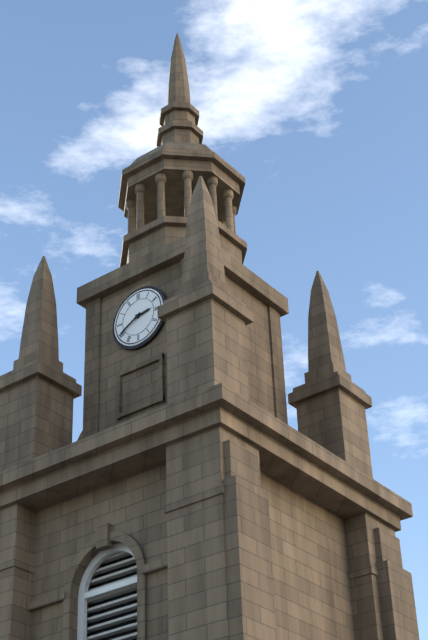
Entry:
2:40
